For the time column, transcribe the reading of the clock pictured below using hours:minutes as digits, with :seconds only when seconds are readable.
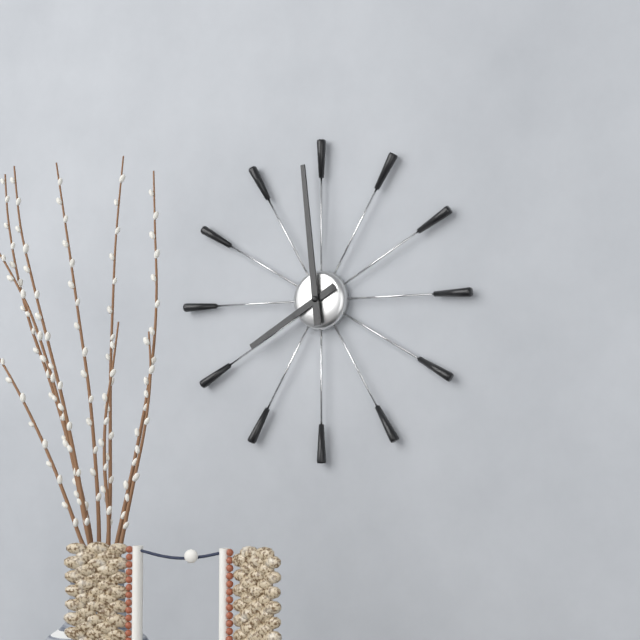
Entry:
7:59
